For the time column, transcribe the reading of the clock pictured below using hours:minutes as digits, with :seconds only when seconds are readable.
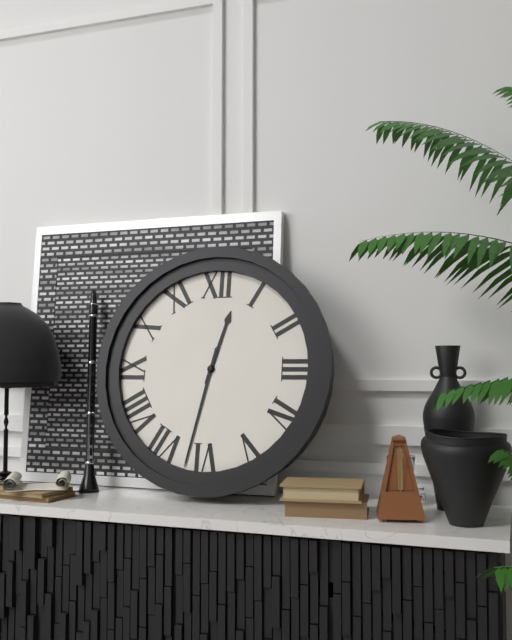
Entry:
12:32
